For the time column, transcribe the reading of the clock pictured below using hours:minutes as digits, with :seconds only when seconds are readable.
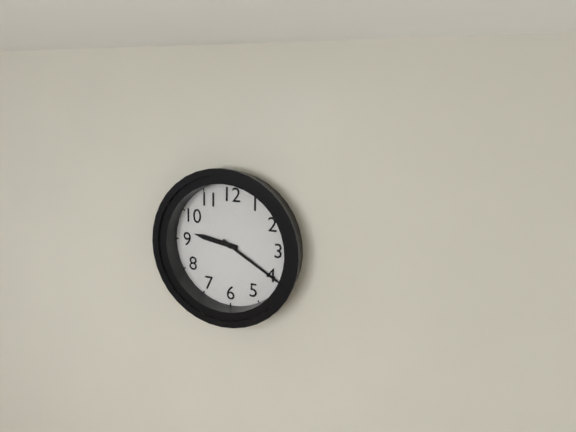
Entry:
9:20
